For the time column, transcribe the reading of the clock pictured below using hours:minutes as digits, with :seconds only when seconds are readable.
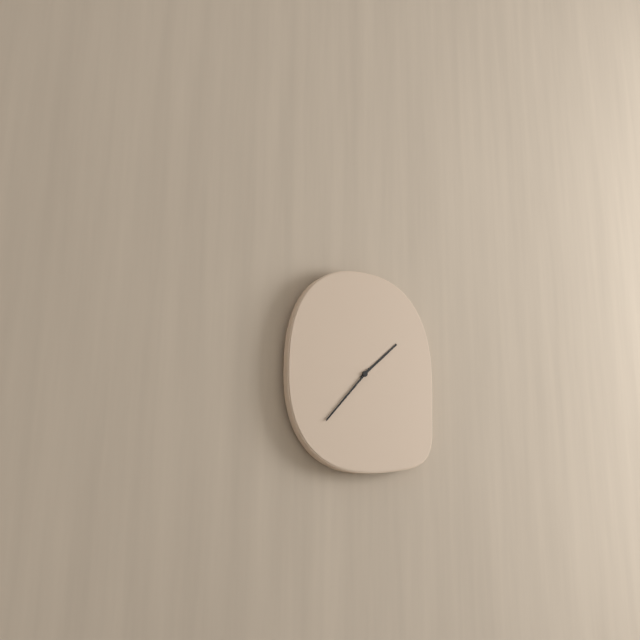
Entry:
1:37
